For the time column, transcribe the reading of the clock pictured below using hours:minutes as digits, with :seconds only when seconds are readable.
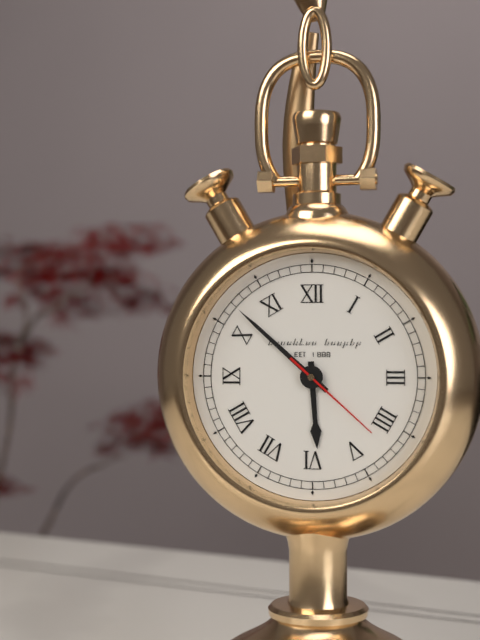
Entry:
5:52:22
